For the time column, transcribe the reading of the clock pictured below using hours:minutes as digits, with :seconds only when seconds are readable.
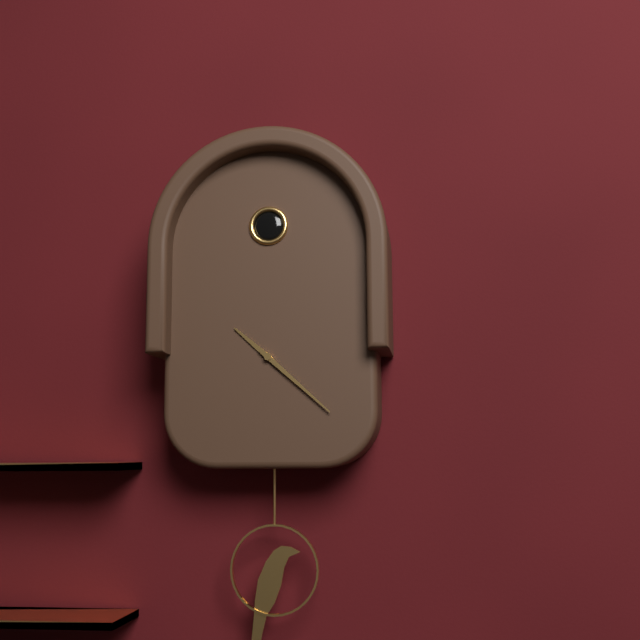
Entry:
10:22
